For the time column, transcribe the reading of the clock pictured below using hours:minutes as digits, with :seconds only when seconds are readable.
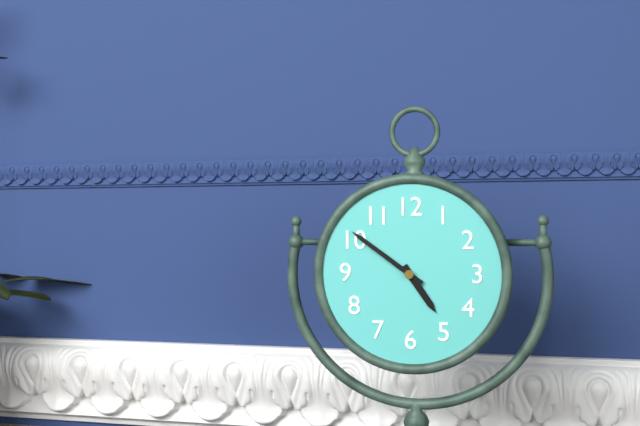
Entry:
4:51
